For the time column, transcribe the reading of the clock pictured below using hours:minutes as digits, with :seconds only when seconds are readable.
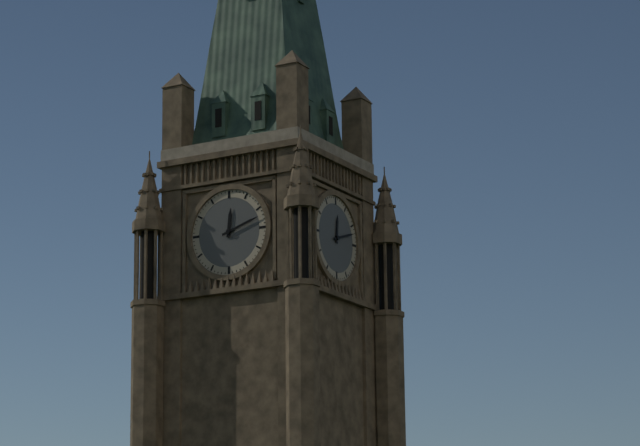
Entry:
12:12
